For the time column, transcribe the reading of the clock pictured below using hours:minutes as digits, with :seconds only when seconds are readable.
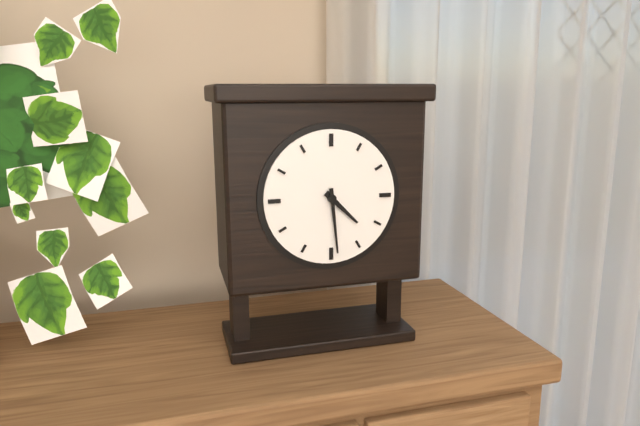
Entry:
4:29
